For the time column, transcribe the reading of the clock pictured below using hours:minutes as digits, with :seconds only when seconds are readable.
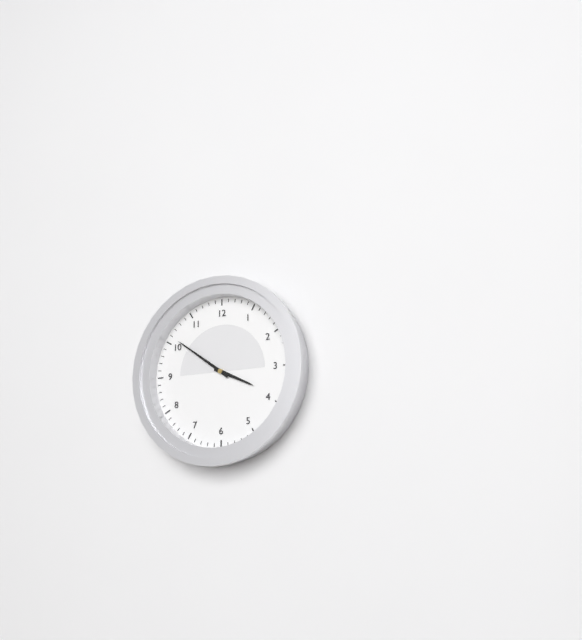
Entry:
3:51
